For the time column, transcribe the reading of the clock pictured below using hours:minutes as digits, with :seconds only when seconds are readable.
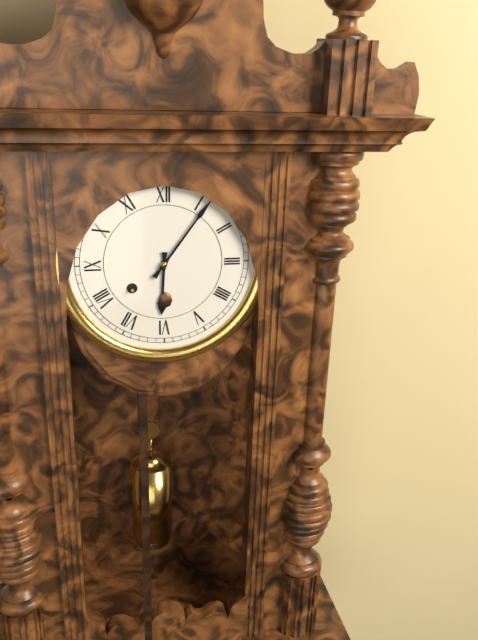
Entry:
6:06
